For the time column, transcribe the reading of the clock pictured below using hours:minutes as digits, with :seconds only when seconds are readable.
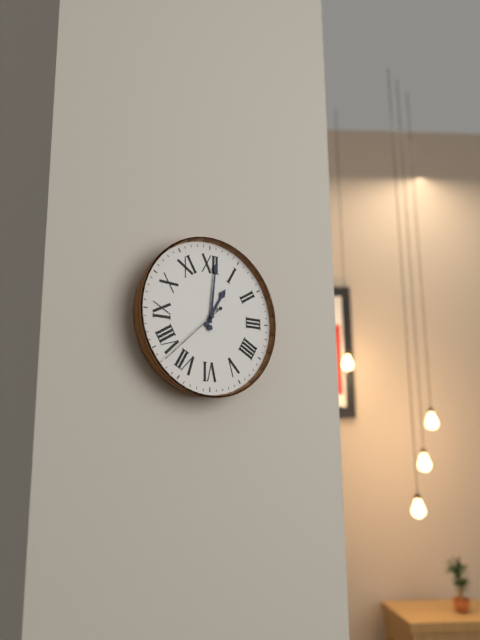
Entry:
1:01:38
